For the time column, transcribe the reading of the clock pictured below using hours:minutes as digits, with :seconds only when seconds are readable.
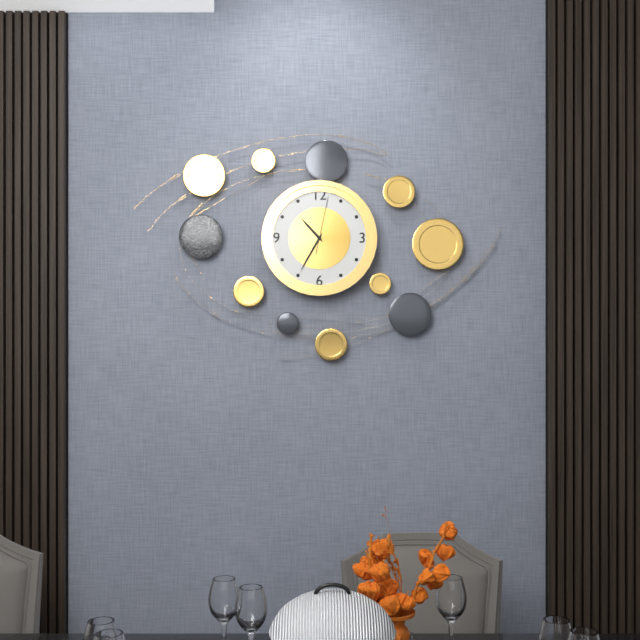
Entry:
10:35:02
